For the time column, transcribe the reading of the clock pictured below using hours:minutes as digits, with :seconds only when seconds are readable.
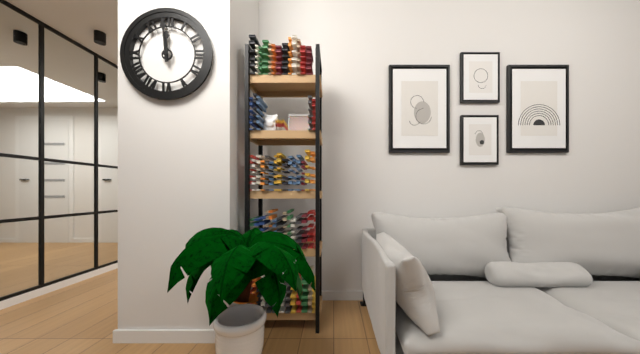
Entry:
11:59
